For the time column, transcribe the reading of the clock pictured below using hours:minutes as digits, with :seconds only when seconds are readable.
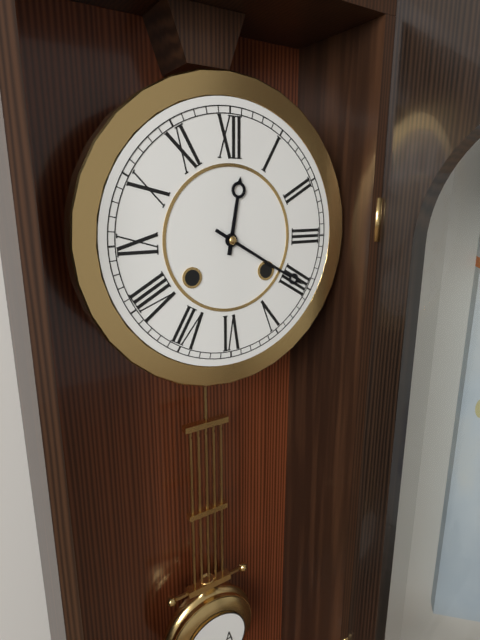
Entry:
12:20
